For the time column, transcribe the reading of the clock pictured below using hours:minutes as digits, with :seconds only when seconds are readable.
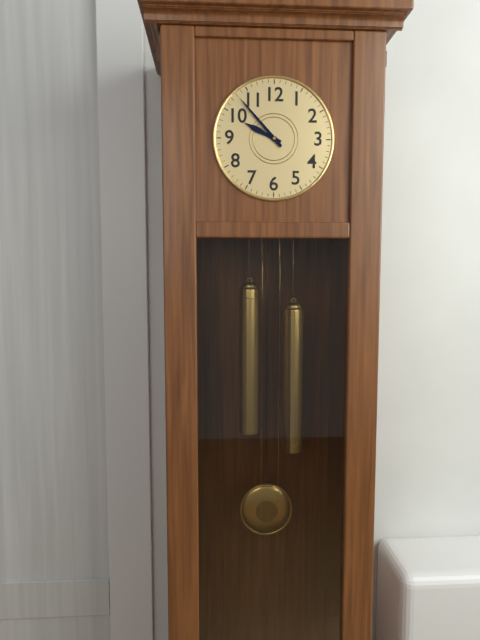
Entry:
9:53
